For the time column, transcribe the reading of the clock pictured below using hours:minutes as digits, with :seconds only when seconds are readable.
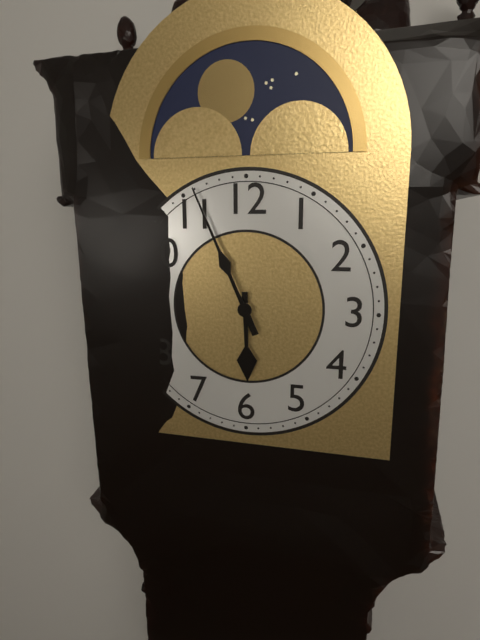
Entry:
5:56
